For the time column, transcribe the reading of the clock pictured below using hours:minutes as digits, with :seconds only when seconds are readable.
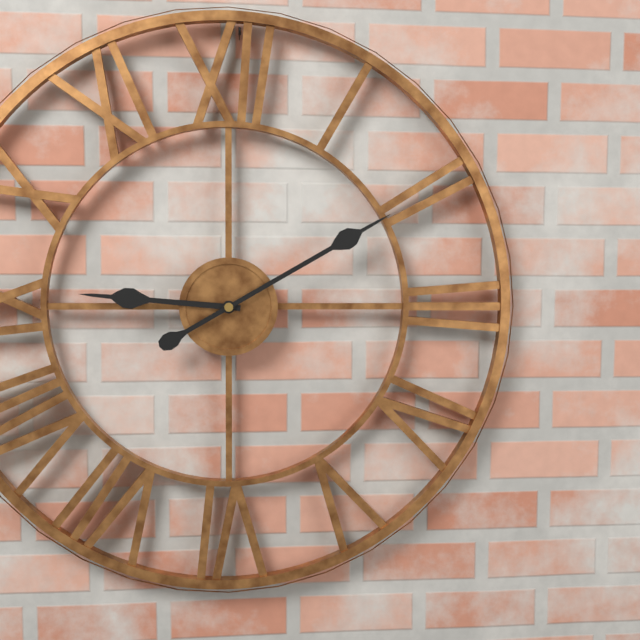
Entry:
9:10
